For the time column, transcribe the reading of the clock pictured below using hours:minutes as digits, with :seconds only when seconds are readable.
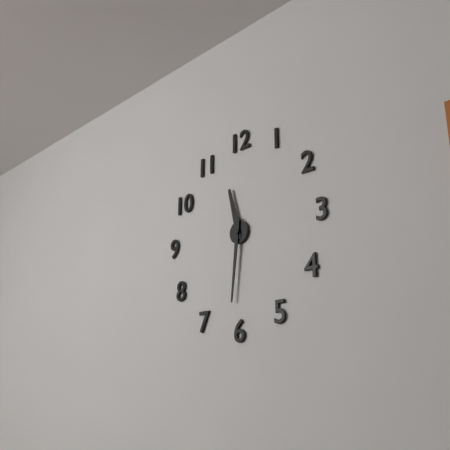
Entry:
11:31
